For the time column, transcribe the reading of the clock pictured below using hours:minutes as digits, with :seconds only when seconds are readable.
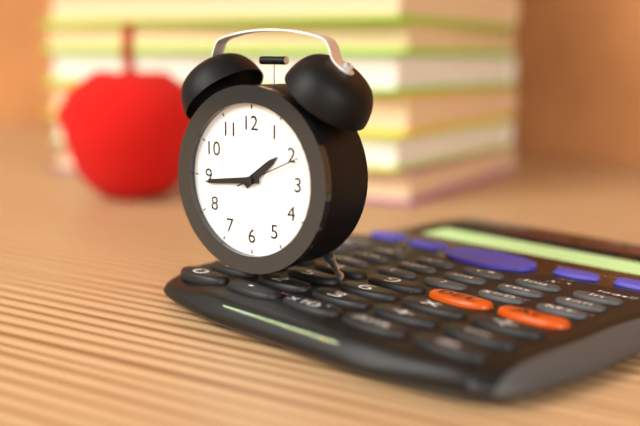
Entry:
1:44:11
